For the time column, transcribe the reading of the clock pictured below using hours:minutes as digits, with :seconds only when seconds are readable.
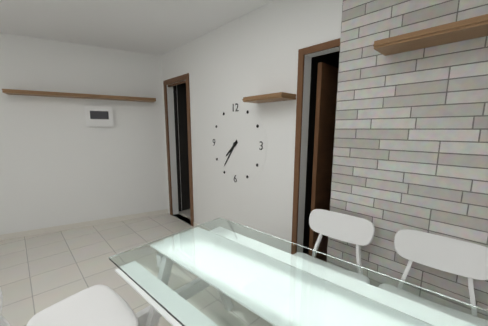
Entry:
7:36
